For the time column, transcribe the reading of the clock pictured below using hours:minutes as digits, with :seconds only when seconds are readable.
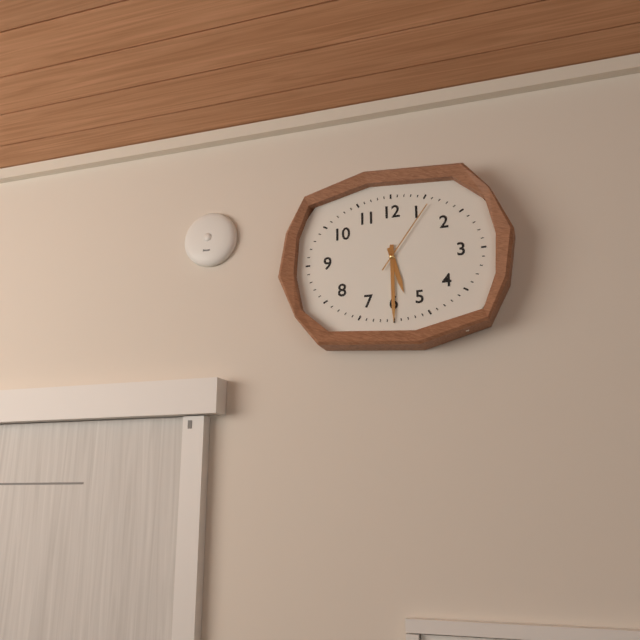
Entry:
5:30:06
